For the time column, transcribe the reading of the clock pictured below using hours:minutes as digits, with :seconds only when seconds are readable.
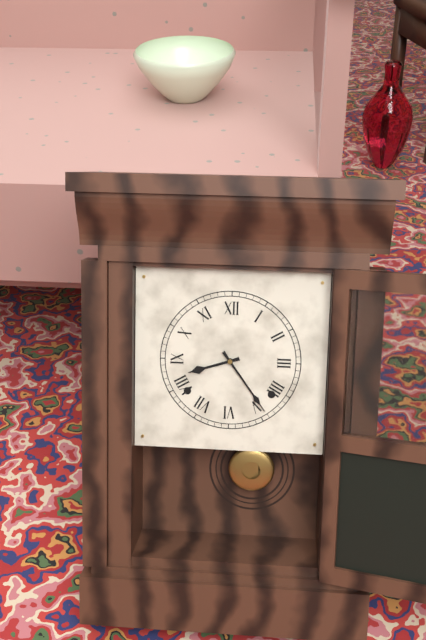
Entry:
8:24
